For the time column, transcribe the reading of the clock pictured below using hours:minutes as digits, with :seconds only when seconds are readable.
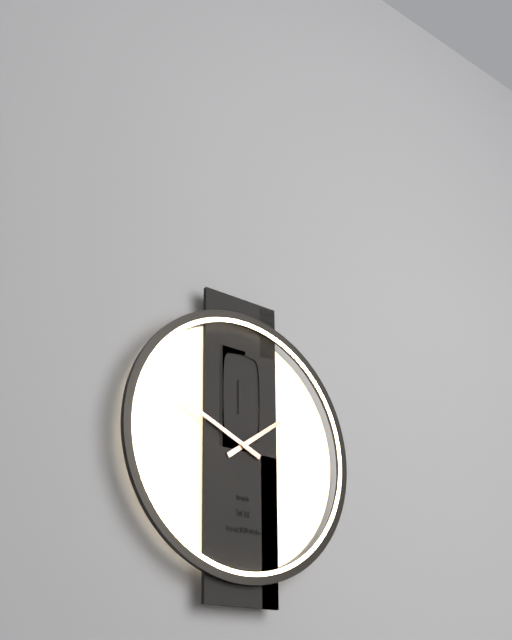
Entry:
1:49
